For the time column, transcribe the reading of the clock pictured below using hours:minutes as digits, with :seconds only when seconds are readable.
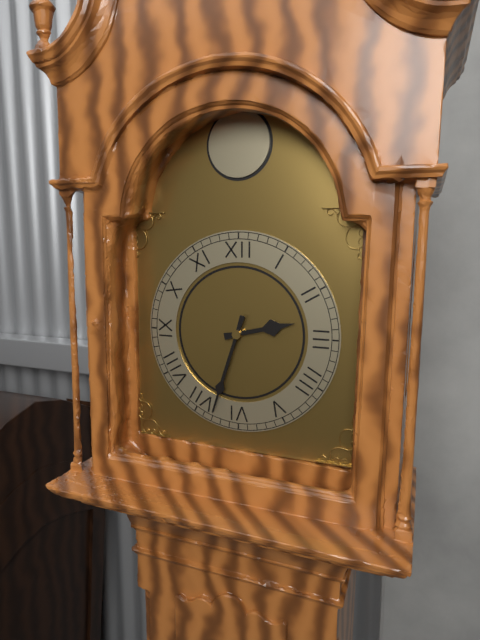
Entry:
2:33
